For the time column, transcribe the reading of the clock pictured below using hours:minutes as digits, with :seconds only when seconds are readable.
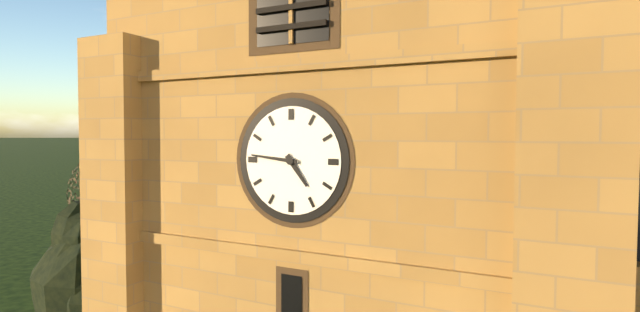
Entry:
4:46
